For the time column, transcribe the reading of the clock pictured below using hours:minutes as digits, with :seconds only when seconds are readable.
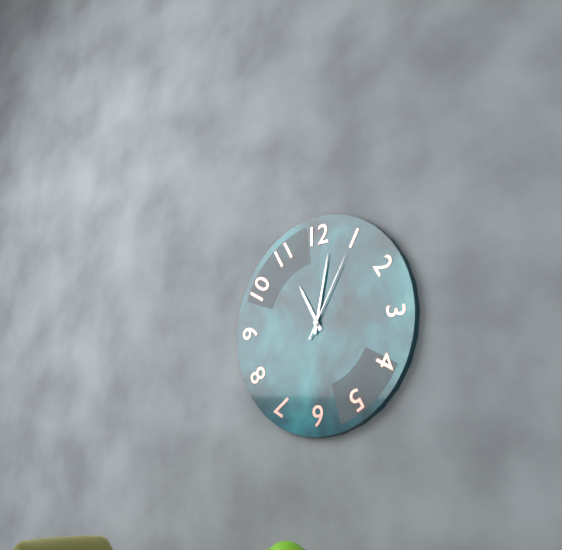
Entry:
11:02:05
